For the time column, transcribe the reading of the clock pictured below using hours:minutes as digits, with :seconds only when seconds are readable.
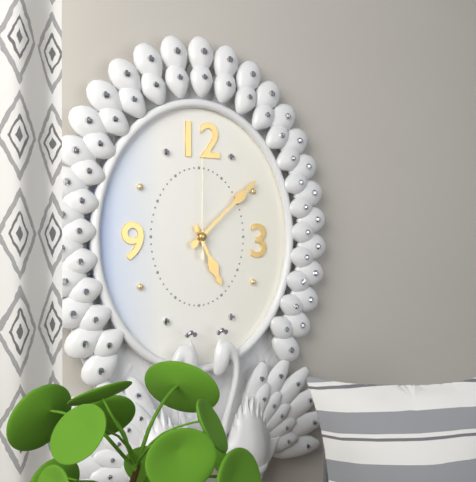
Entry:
5:08:00
